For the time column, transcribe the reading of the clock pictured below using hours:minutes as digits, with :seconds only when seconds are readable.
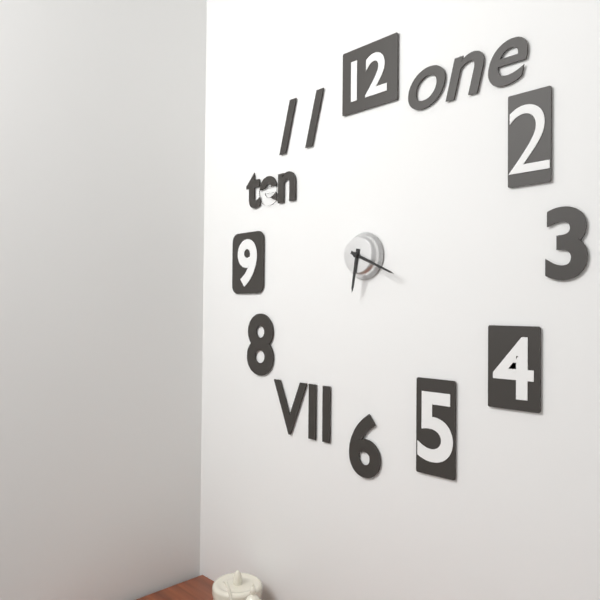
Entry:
6:19
